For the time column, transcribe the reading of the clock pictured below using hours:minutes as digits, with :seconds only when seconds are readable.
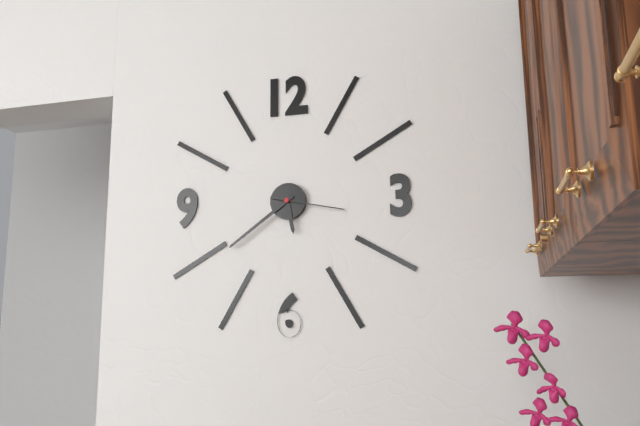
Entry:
5:39:17
